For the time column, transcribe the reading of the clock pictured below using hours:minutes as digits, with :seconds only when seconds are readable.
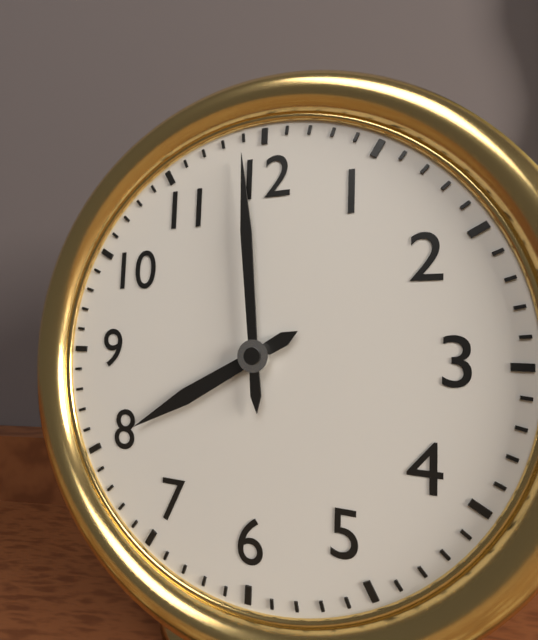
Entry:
7:59
